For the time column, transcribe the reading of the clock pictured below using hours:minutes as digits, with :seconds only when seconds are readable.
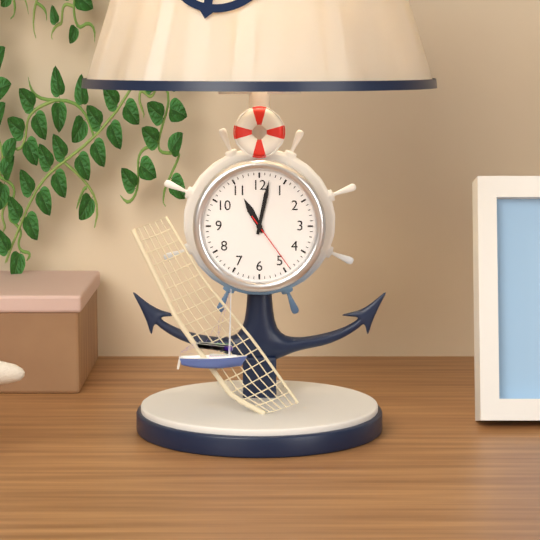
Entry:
11:02:24
